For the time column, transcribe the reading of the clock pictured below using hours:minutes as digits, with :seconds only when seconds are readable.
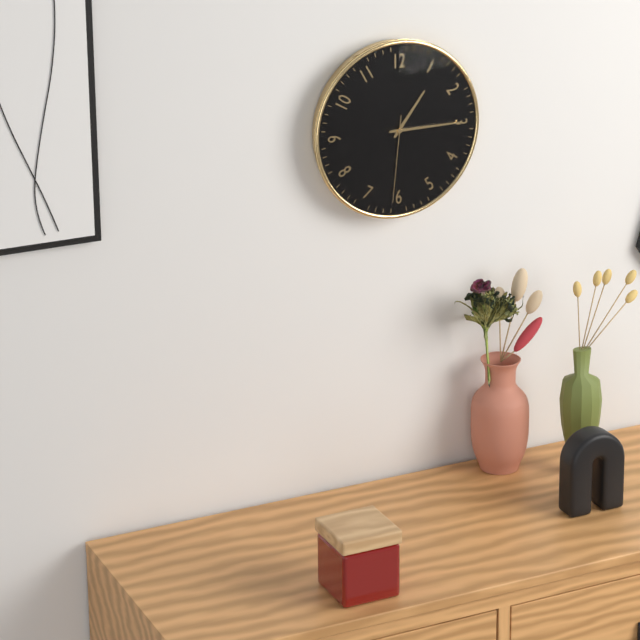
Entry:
1:15:31
